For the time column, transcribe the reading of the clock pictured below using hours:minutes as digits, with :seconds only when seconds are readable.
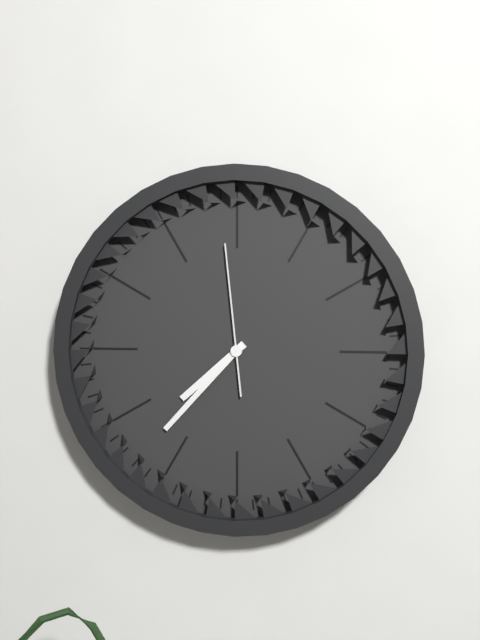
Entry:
7:37:59
